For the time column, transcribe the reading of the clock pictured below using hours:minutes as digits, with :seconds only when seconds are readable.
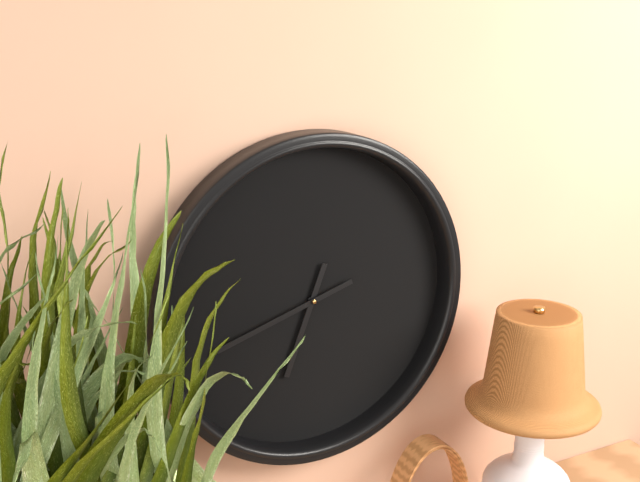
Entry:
6:42
